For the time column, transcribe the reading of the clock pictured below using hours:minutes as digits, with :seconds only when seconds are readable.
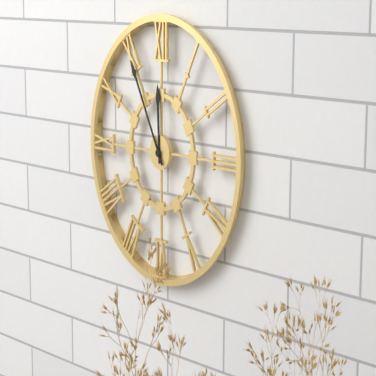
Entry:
11:55
